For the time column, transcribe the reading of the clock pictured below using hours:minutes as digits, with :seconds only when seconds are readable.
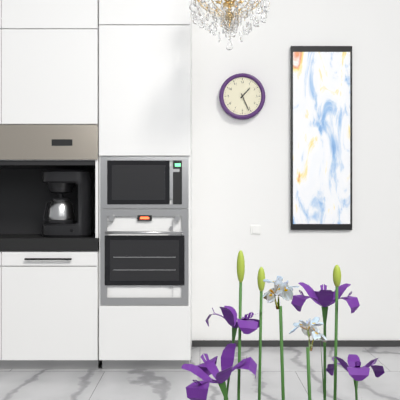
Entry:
1:26
